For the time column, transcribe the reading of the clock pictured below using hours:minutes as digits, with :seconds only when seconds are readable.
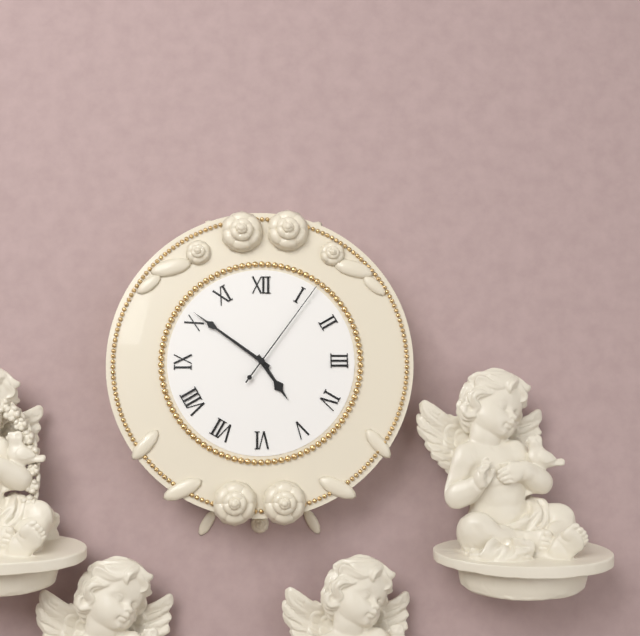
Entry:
4:51:06
